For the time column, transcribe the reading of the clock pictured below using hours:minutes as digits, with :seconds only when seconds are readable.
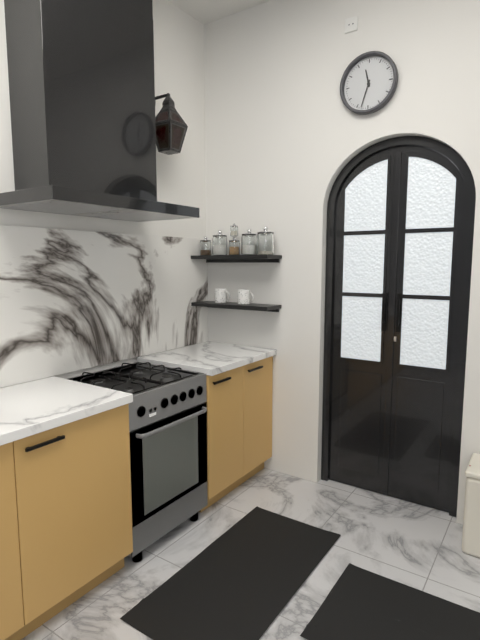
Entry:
11:33
